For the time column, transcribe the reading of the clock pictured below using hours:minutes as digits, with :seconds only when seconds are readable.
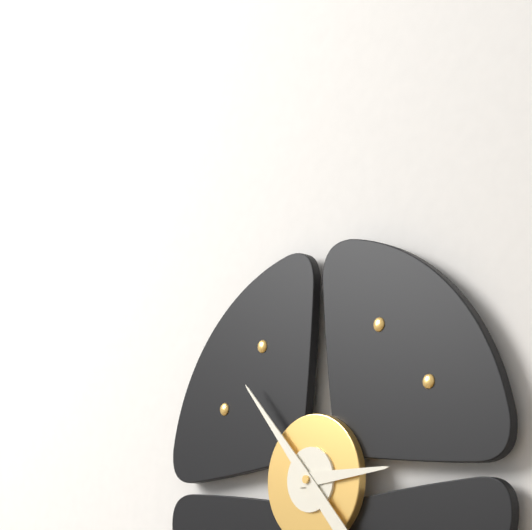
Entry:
2:53
